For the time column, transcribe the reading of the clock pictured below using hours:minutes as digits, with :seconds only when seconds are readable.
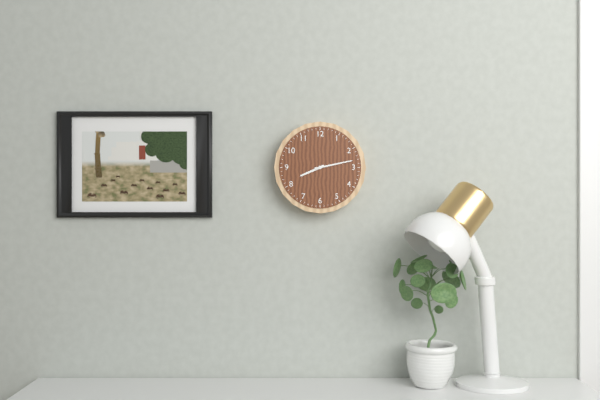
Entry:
8:13
